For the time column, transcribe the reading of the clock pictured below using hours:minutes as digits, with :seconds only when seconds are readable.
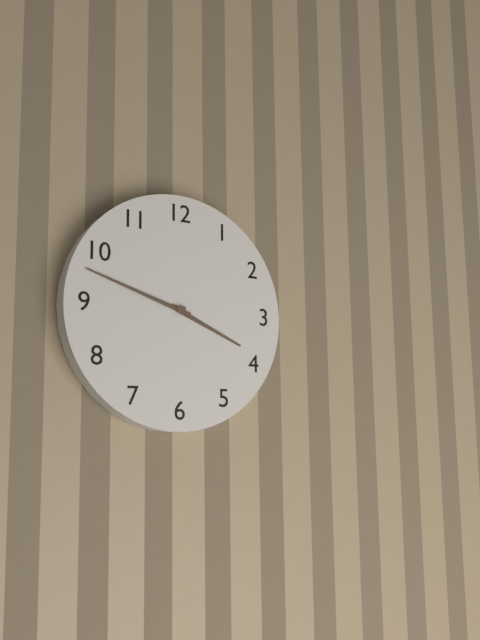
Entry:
3:48
